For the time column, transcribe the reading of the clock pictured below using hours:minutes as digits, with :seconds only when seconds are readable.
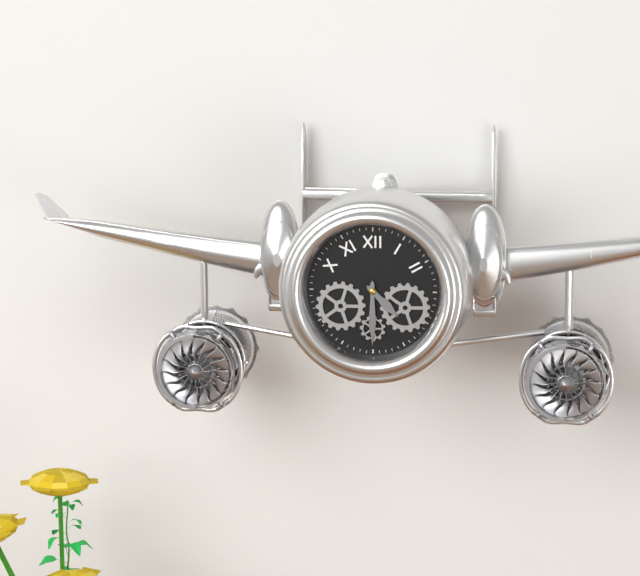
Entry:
4:30
